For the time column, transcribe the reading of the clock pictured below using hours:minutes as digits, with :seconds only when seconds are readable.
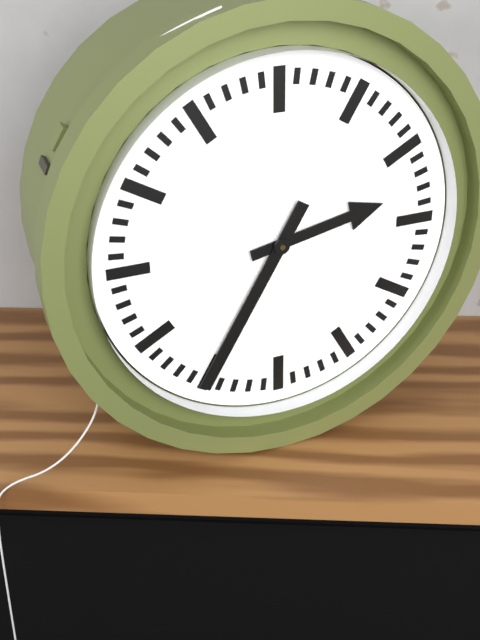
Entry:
2:35
